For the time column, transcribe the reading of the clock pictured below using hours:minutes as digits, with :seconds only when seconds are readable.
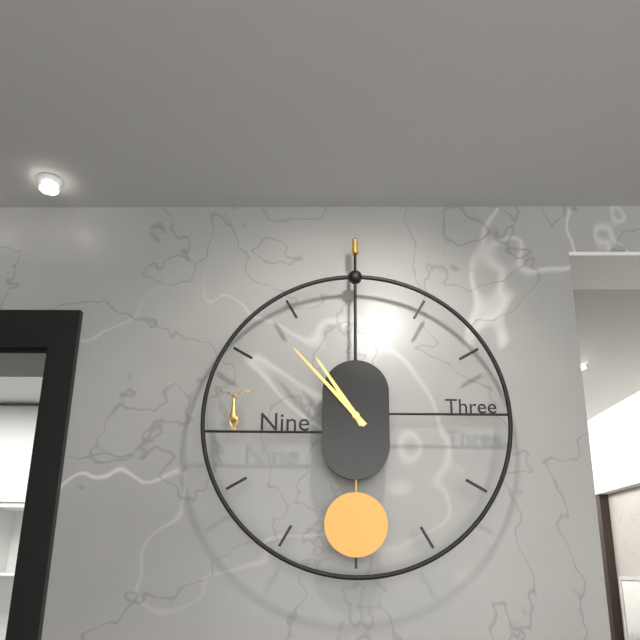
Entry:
10:53
